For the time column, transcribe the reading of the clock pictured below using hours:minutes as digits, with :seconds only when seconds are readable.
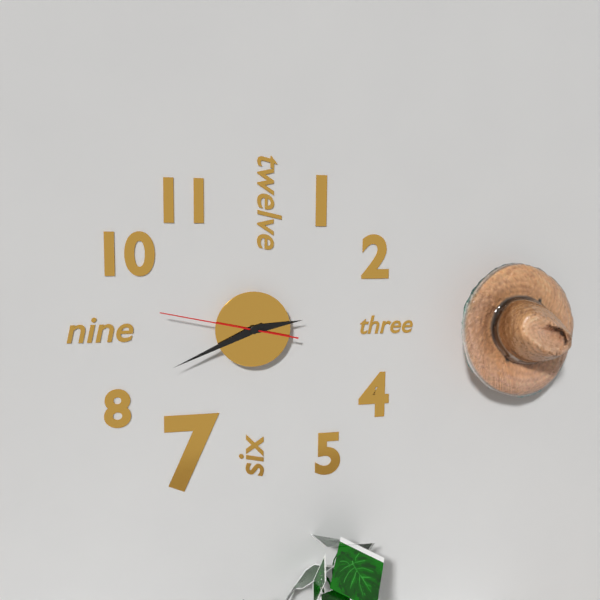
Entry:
2:41:47
